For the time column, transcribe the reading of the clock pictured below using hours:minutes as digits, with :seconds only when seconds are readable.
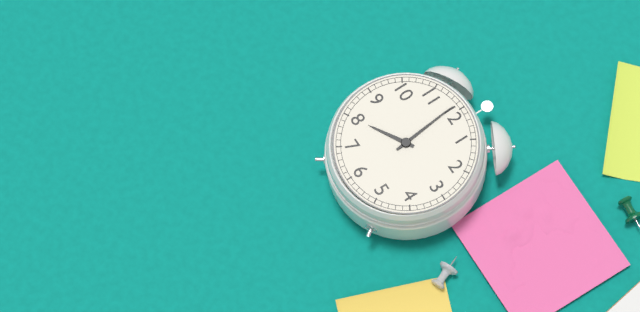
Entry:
7:59
